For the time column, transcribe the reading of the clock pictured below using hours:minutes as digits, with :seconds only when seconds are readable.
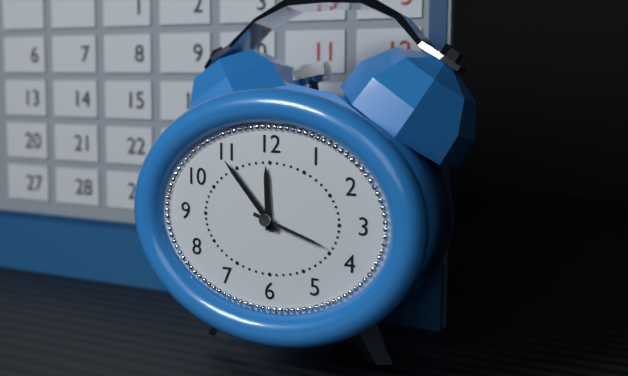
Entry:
11:53:18
